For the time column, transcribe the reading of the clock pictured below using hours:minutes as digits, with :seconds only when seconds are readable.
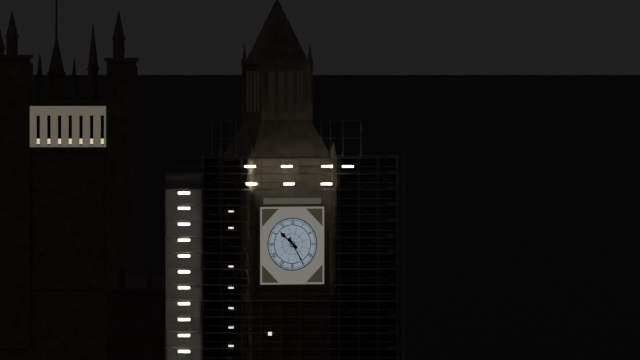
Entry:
10:25
